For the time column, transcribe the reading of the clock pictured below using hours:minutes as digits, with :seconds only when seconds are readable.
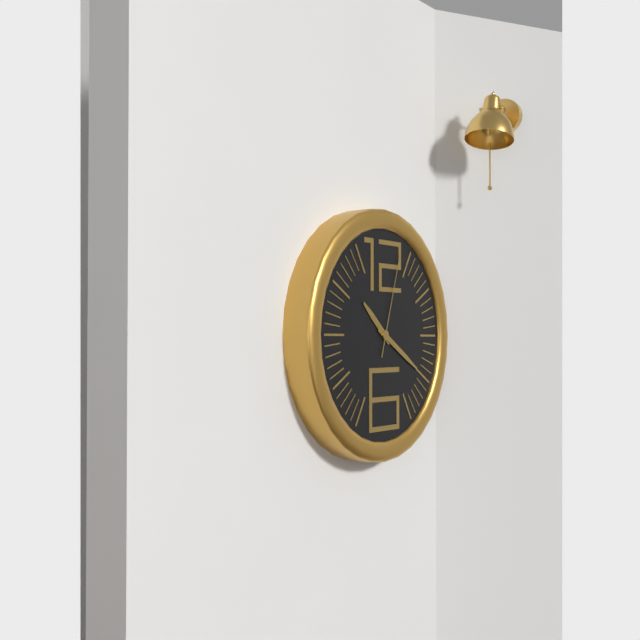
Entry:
10:20:03
